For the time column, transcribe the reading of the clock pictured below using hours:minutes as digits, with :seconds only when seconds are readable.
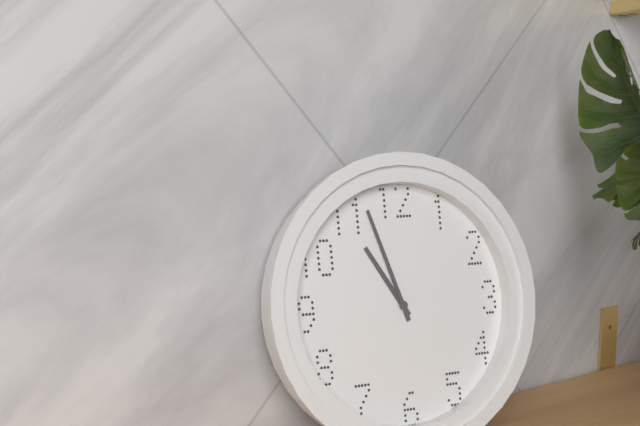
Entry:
10:57
